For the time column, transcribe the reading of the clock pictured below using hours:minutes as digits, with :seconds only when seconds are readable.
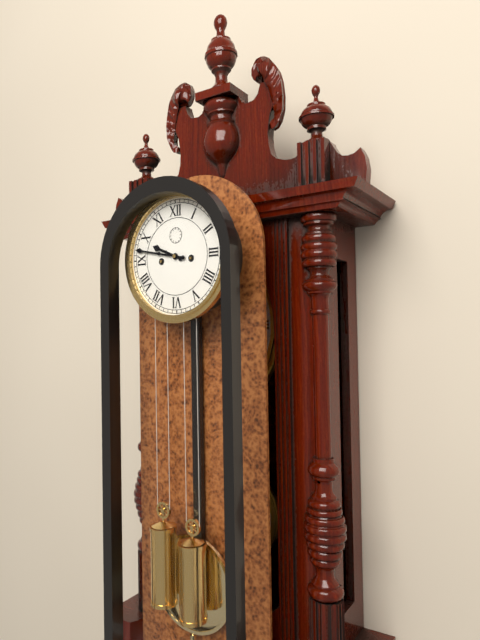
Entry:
9:47
